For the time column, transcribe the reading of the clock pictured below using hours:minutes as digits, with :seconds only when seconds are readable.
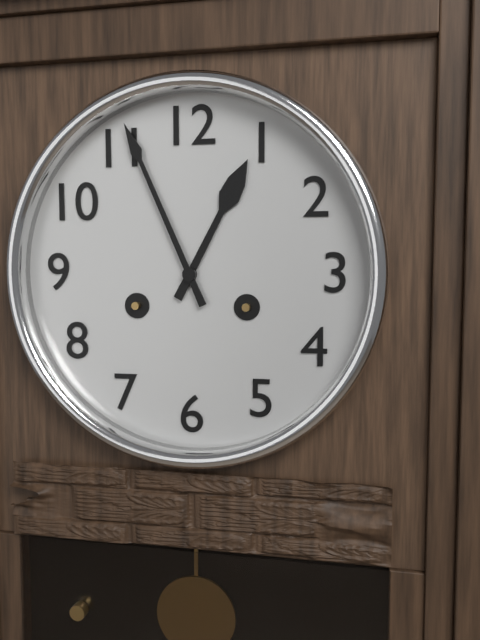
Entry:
12:56
